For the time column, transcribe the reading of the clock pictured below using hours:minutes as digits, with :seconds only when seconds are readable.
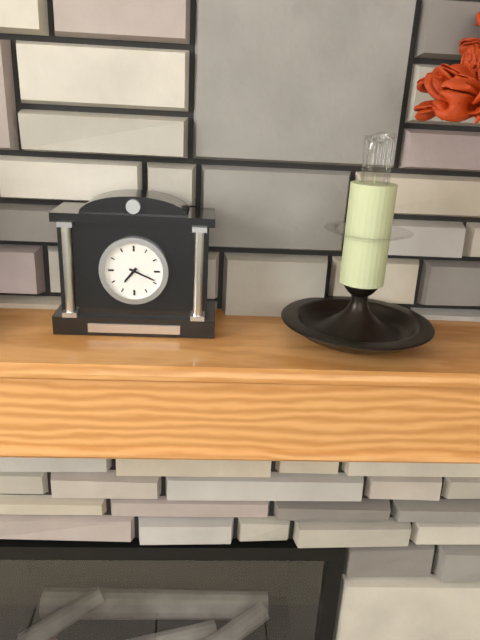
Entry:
7:19
